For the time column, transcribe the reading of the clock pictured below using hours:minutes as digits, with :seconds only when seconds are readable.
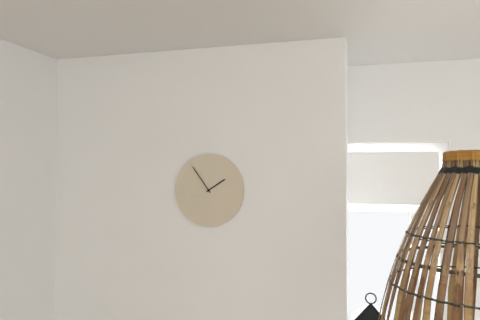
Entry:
1:54
